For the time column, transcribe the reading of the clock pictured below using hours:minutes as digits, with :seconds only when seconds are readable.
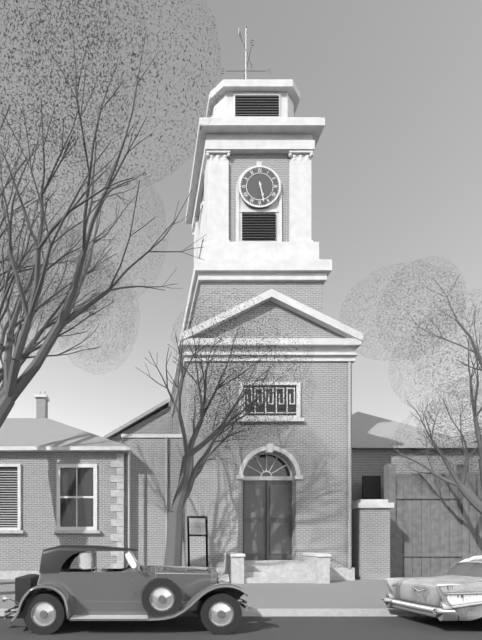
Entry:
5:28
